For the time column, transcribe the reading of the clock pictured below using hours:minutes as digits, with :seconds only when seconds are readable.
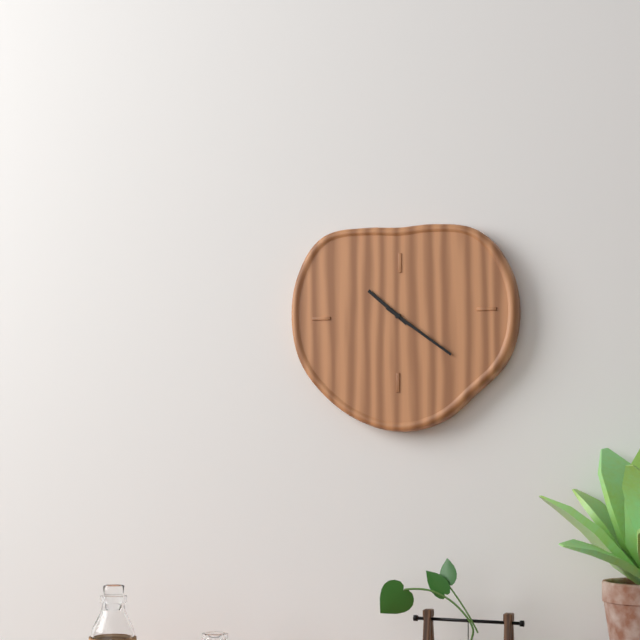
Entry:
10:21
